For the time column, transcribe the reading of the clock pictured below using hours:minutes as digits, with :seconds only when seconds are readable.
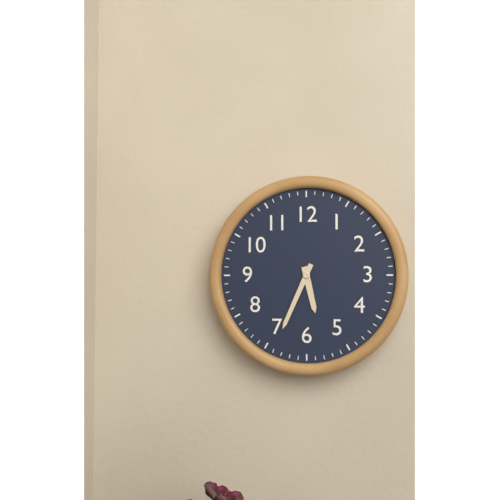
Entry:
5:34
